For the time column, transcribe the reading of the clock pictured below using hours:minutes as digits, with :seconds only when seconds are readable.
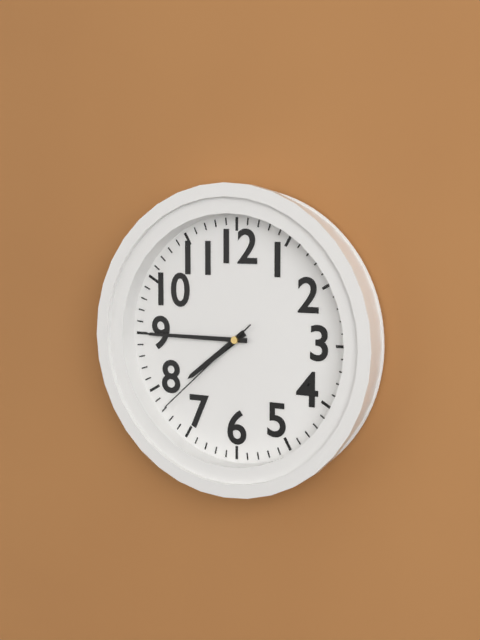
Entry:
7:45:38
